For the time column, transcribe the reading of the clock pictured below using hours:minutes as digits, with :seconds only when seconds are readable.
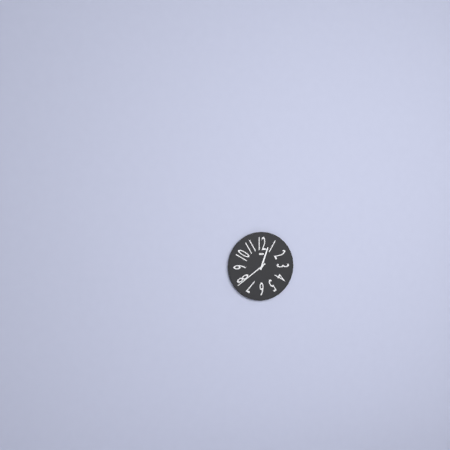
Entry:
12:39
